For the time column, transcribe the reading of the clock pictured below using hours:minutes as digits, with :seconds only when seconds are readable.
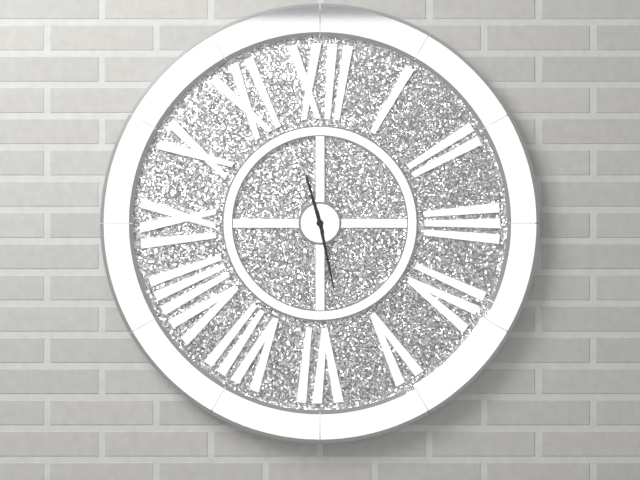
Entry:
11:28
